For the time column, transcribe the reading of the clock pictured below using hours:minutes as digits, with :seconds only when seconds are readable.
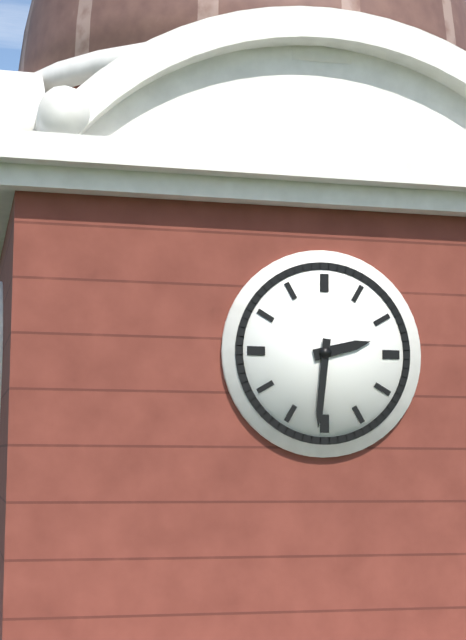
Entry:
2:31
